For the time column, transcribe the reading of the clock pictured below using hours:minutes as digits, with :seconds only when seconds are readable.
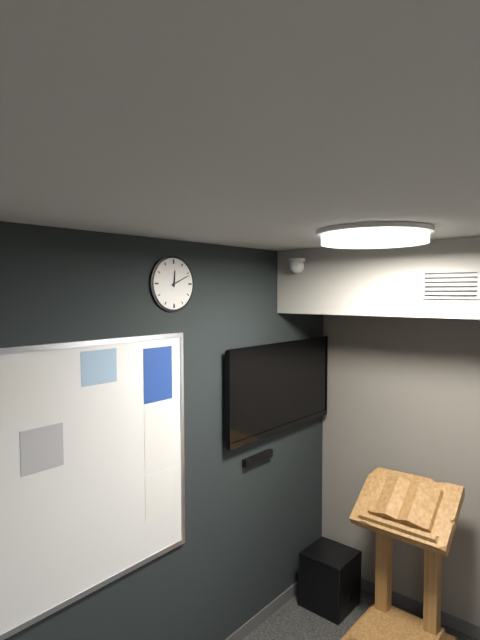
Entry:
12:11
